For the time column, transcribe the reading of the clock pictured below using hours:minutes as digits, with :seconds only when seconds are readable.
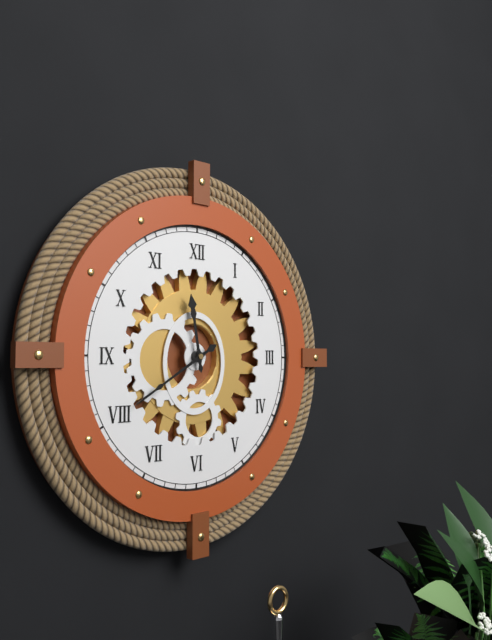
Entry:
11:40
